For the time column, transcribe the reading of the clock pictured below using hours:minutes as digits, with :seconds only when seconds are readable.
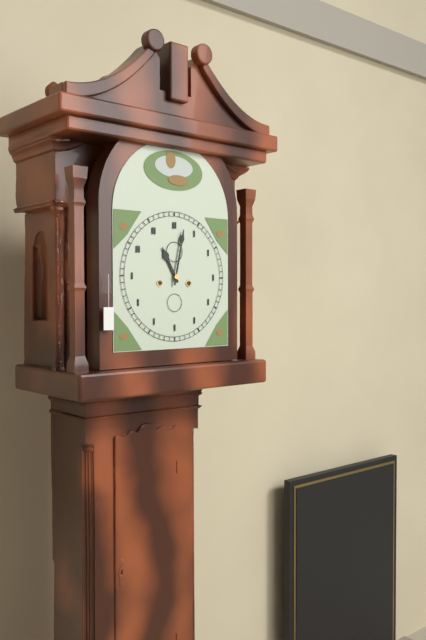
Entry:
11:02
